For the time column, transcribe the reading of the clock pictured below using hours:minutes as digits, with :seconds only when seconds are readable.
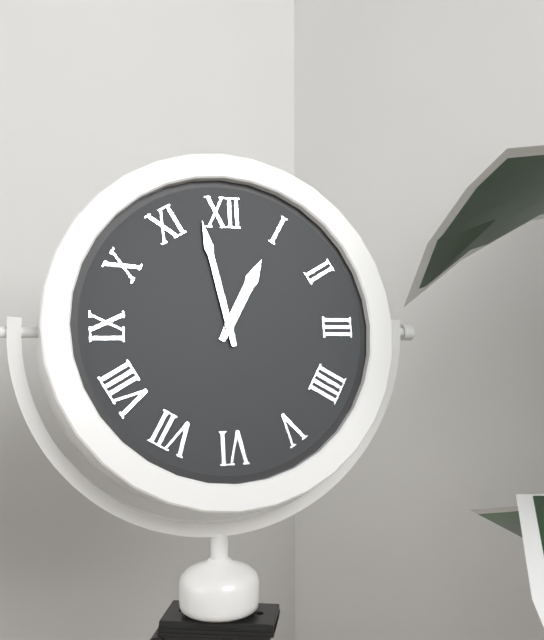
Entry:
12:58
